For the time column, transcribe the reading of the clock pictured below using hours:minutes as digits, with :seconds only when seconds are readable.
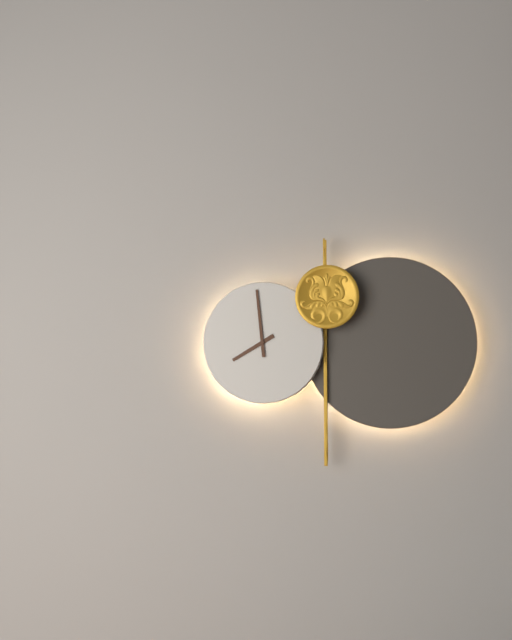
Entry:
7:59
